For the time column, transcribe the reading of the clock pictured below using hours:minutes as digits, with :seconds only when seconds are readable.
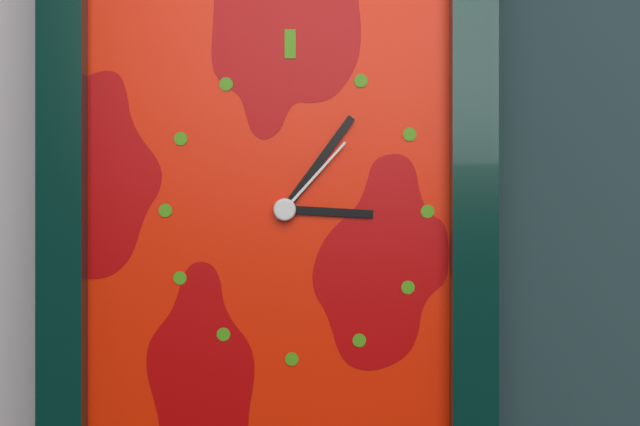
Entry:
3:06:07
